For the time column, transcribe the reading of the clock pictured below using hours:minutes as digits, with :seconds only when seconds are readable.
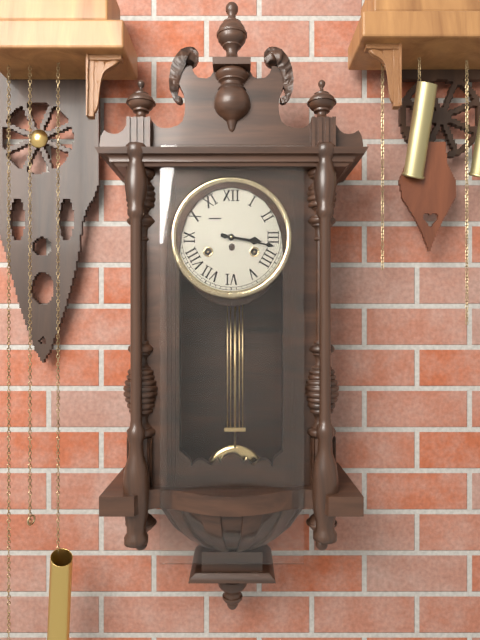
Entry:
3:17
